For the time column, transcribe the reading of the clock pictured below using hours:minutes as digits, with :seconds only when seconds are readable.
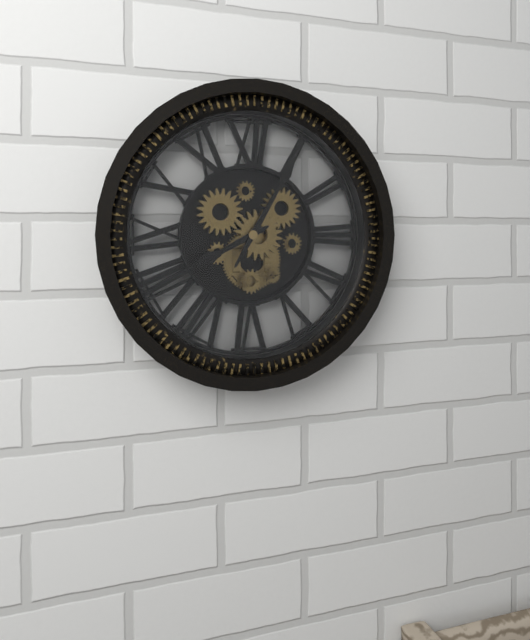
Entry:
8:05
